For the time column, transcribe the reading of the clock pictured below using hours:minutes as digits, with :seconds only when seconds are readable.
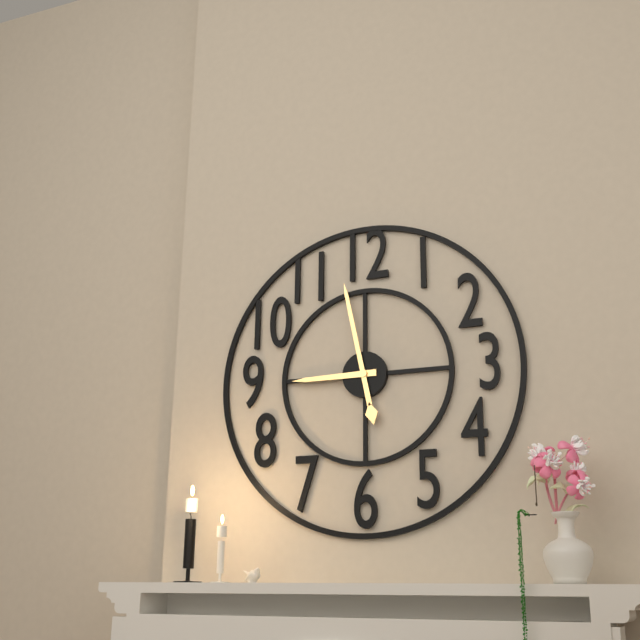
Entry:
8:58
